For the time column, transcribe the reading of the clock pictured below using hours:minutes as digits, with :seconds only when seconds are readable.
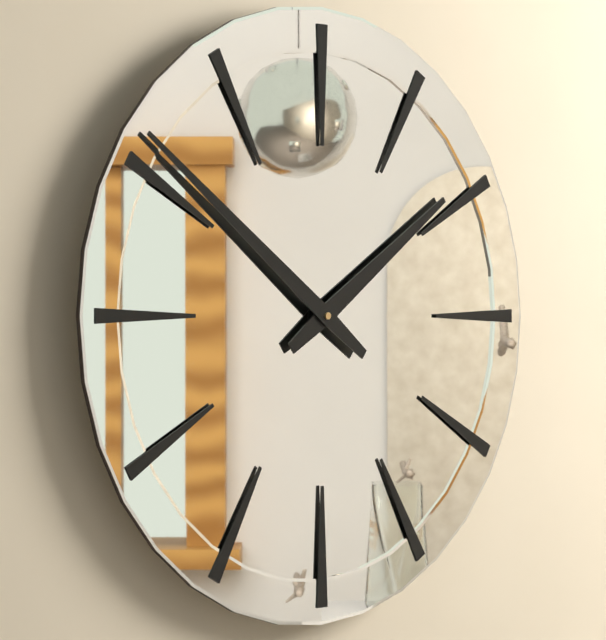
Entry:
1:51
